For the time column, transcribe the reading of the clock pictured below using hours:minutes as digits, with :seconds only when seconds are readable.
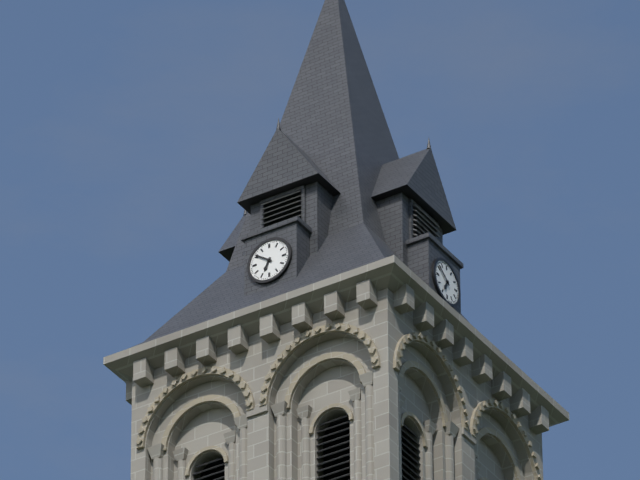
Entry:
6:51
